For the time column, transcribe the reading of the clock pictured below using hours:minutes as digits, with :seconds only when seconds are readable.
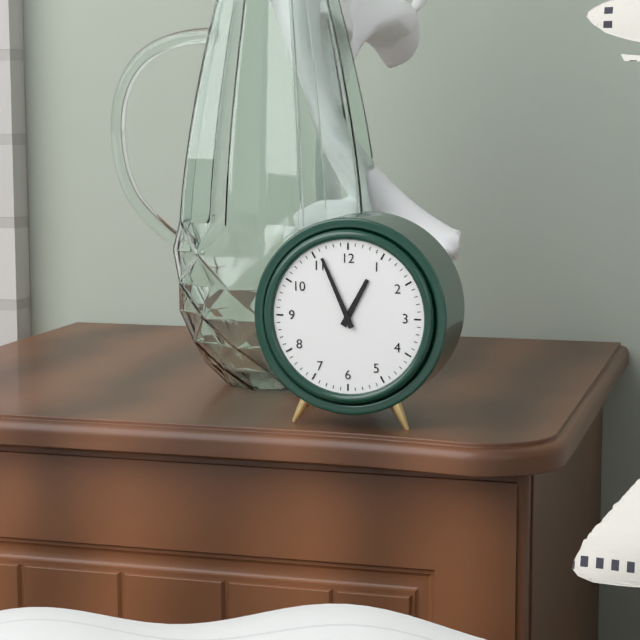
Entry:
12:56
